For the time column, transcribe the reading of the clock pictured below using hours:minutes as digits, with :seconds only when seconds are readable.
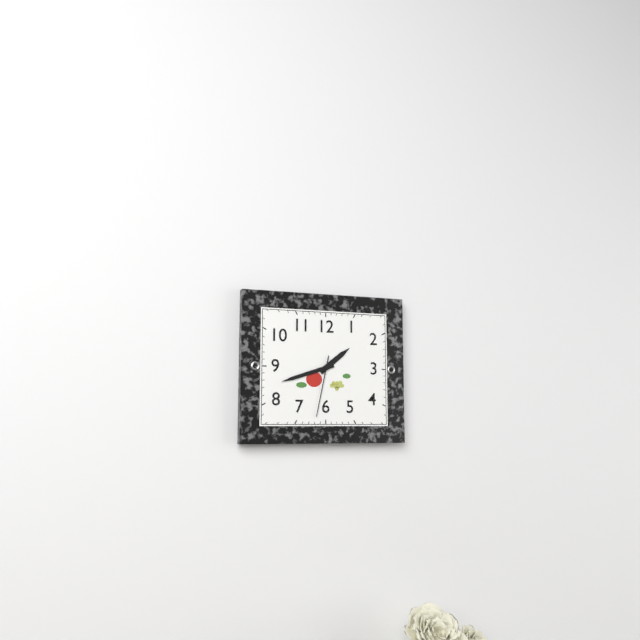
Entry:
1:42:32
